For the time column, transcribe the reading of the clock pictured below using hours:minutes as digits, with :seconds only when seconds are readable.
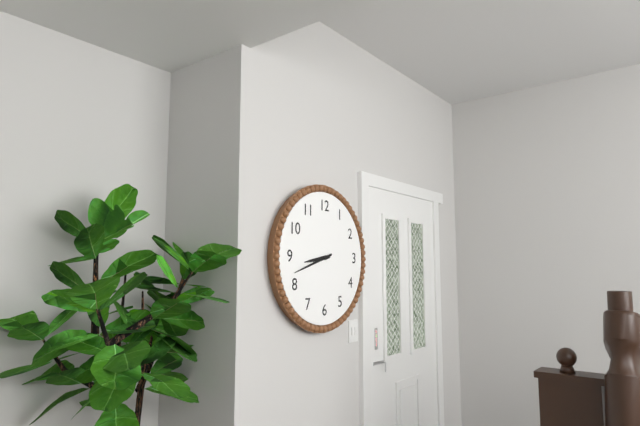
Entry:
8:42
